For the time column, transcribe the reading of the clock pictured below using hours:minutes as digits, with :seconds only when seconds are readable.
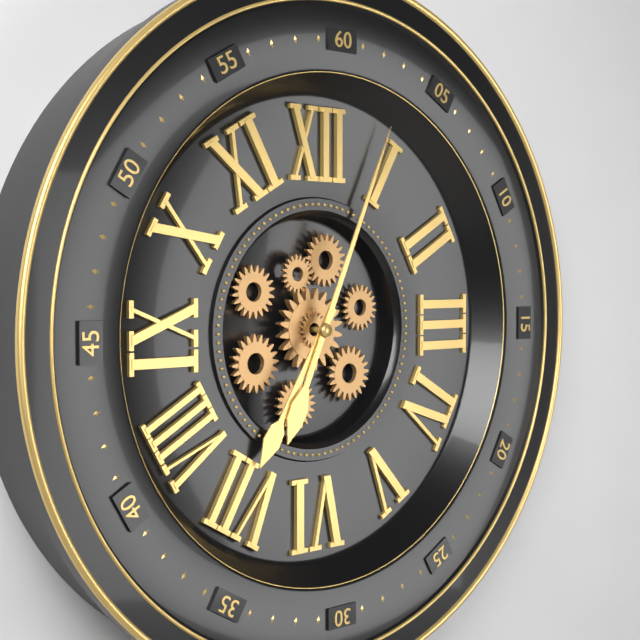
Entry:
7:04
